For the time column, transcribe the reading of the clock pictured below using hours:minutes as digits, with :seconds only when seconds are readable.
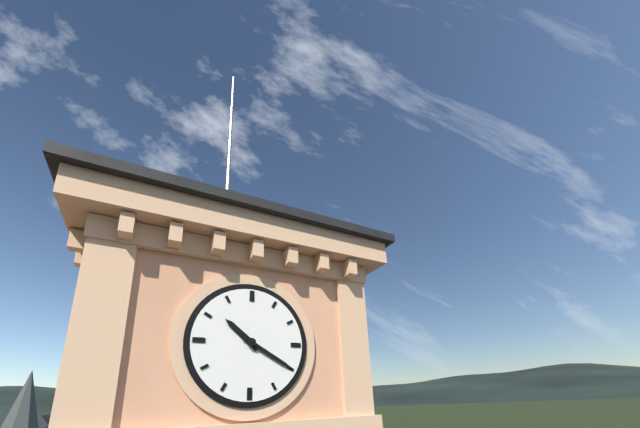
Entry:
10:20
